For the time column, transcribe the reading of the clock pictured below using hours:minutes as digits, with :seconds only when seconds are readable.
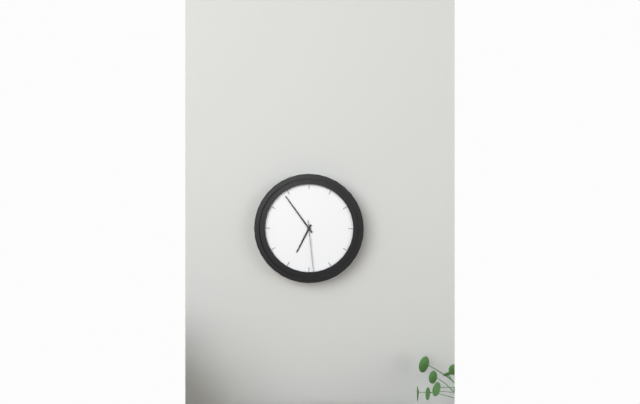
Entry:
6:54:29
